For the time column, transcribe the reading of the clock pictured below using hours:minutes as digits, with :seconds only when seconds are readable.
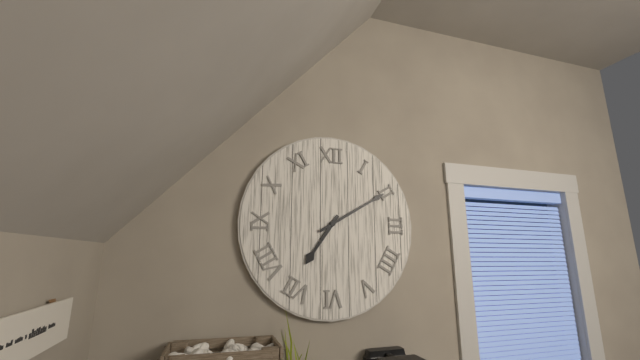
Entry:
7:10
